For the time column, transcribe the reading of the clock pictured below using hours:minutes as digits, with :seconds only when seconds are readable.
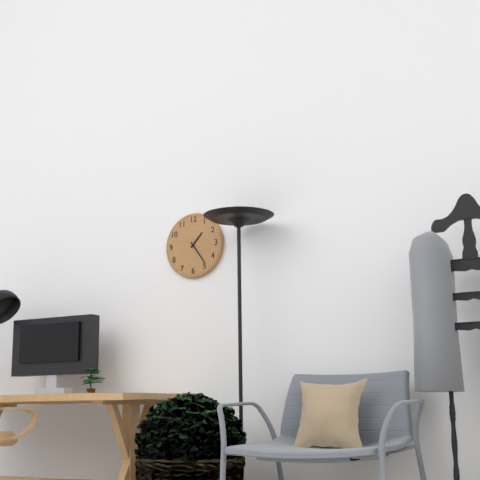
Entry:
1:24
